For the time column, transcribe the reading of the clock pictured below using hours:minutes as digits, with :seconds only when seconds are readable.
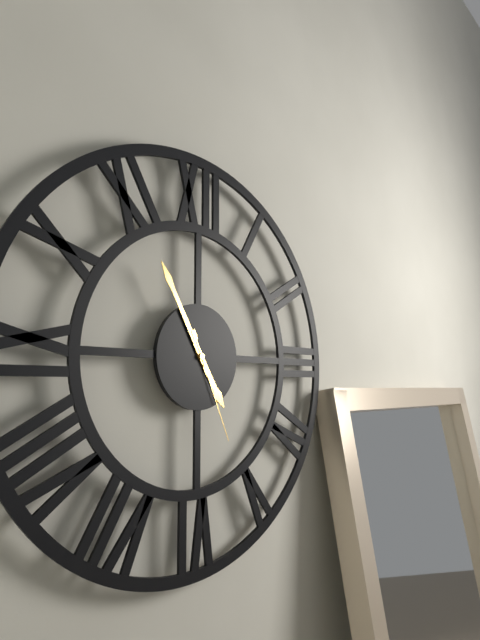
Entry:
4:55:26
